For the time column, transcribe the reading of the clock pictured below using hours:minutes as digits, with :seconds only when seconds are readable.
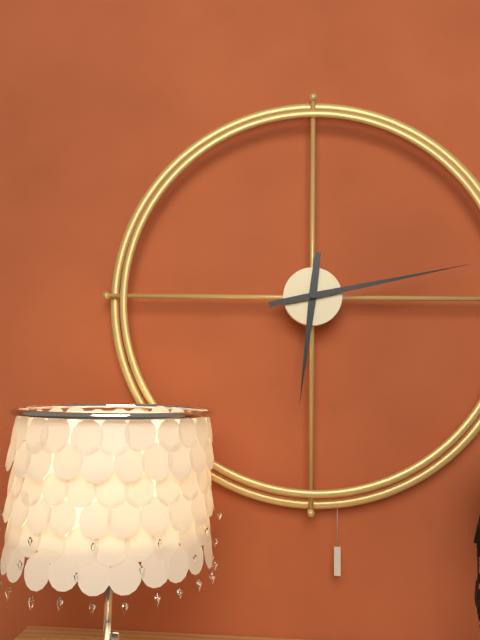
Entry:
6:13
